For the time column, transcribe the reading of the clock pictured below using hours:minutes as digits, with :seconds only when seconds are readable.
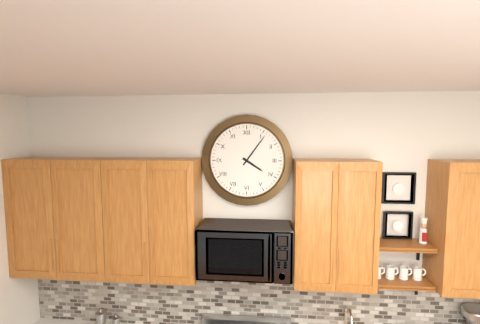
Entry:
4:06
